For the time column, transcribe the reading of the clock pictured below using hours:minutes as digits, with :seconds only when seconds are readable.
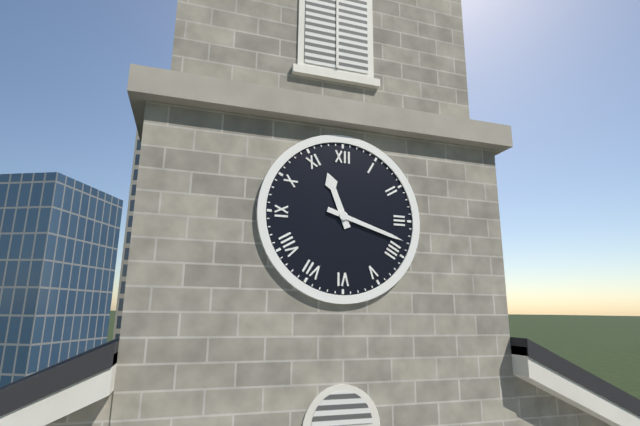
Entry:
11:18
